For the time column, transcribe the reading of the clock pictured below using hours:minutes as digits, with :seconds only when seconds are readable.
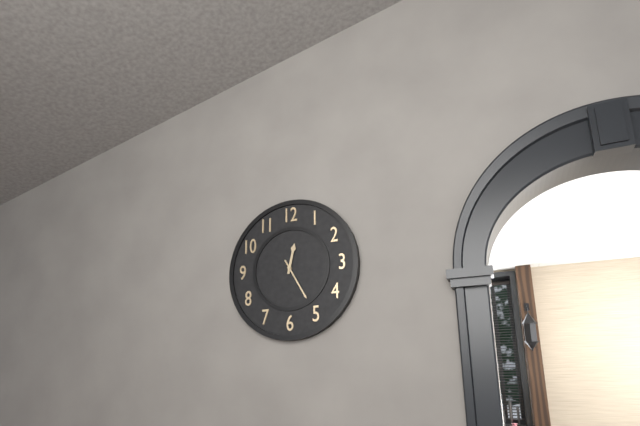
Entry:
12:25
